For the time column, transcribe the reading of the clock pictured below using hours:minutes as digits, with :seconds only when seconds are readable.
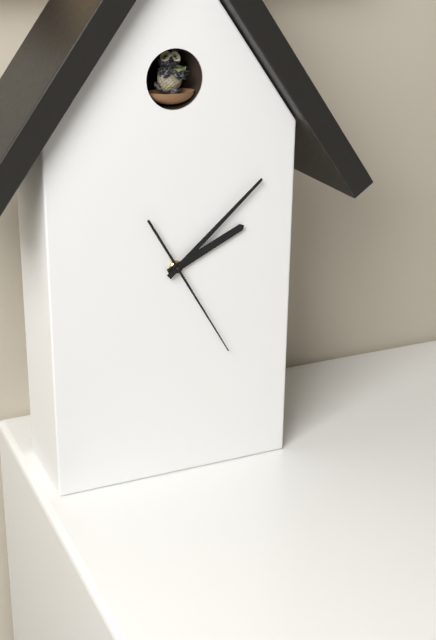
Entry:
2:08:25
